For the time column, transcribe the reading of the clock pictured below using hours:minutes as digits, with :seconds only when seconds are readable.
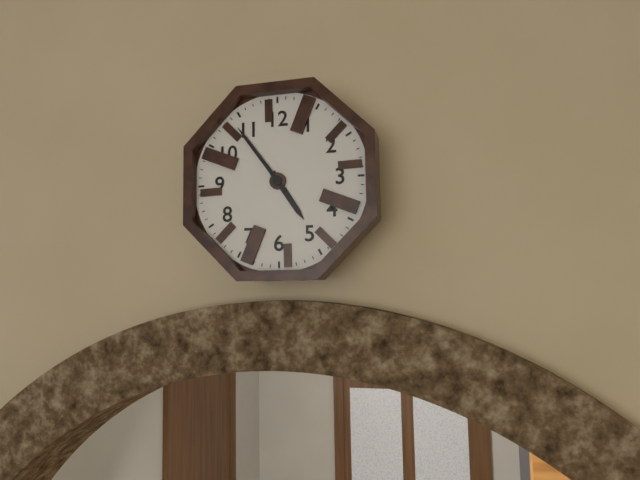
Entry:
4:54
